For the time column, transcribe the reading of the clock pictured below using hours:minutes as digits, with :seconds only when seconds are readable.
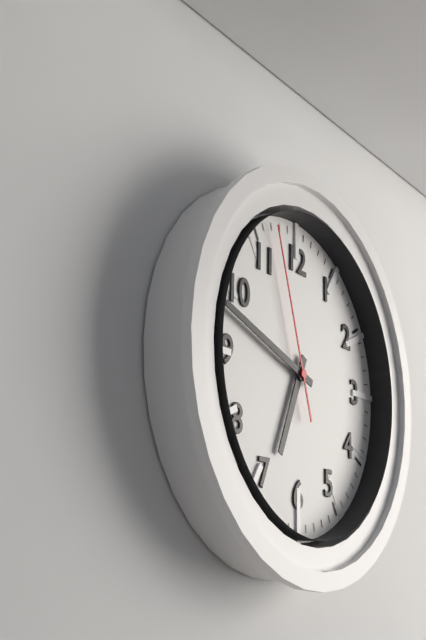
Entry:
6:48:57
